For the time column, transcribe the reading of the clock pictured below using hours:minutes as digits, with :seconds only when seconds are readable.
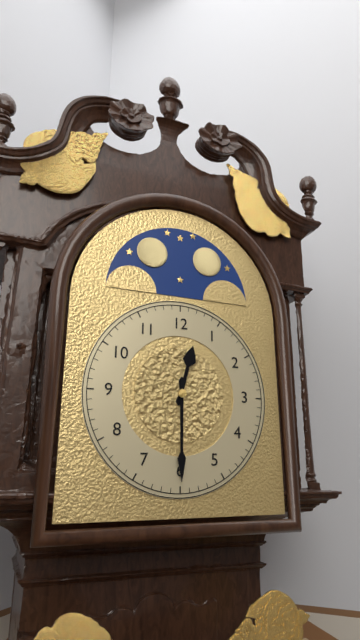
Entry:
12:30
